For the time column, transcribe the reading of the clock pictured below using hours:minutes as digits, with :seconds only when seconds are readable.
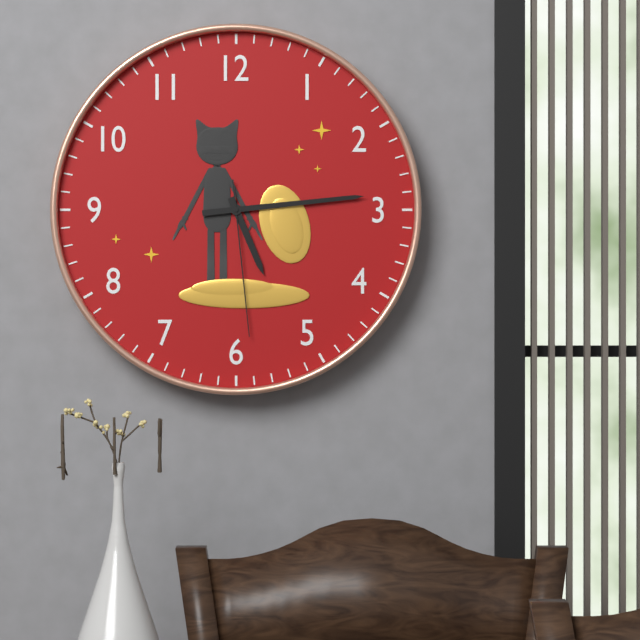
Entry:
5:14:29
